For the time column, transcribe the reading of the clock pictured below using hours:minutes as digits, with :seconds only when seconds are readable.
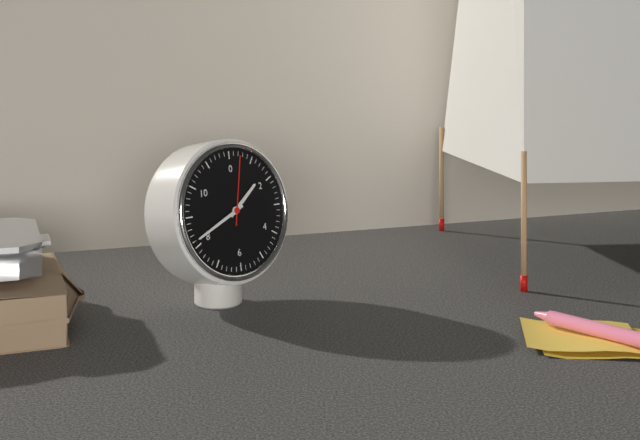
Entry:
1:41:02
